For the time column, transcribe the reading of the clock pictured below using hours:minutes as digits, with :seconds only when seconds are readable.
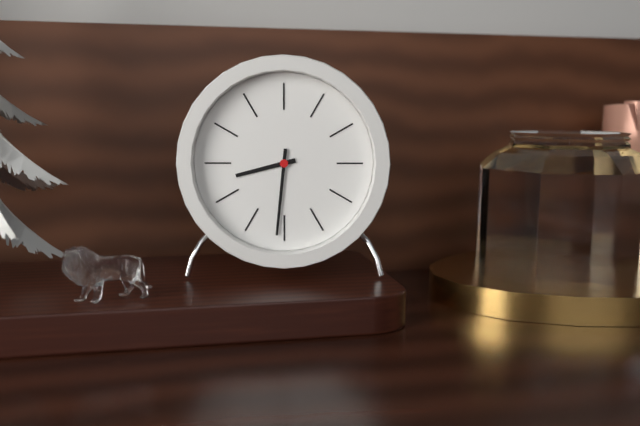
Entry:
8:31
